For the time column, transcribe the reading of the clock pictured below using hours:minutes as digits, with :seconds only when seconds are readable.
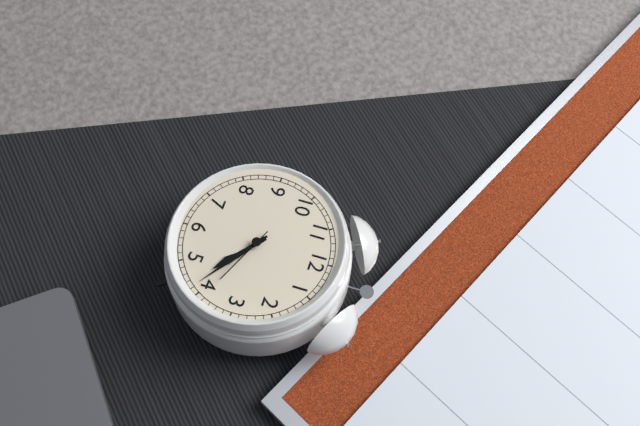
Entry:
4:21:19
